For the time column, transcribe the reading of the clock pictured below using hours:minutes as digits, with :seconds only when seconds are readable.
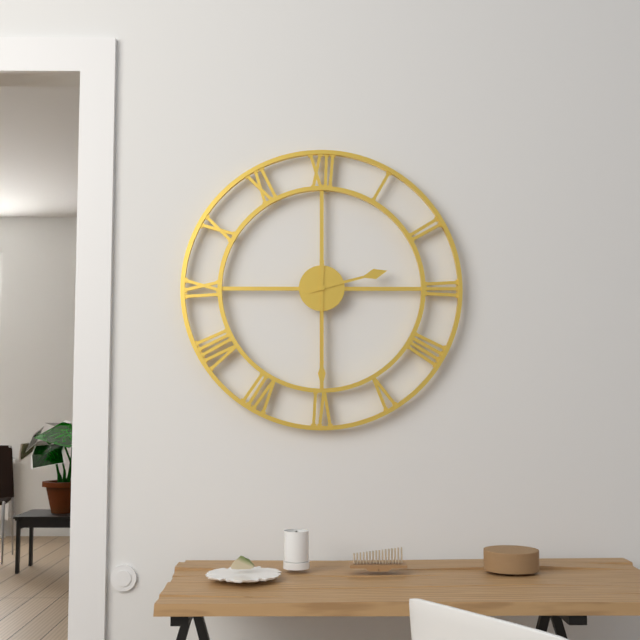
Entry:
2:30
